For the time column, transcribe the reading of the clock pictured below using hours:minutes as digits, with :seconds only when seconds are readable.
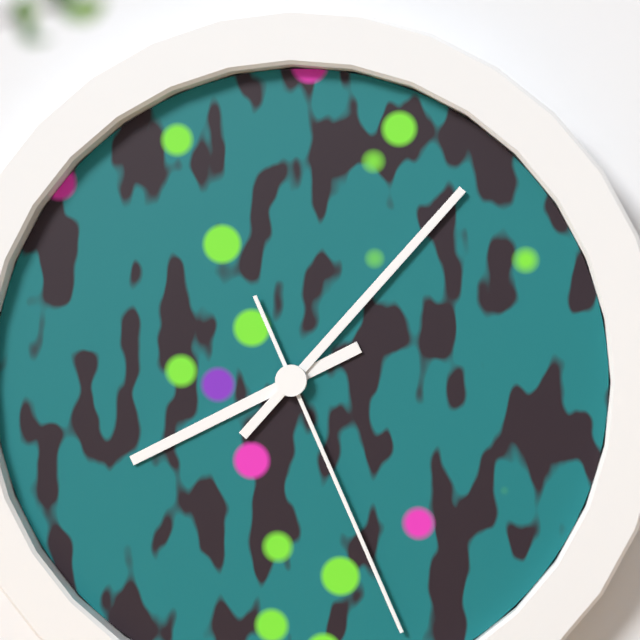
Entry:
8:07:26
